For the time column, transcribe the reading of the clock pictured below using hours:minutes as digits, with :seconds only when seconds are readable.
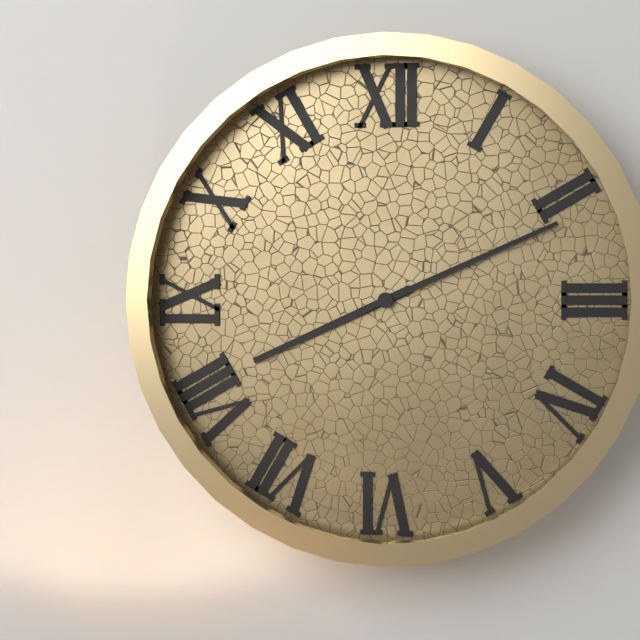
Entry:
8:11
